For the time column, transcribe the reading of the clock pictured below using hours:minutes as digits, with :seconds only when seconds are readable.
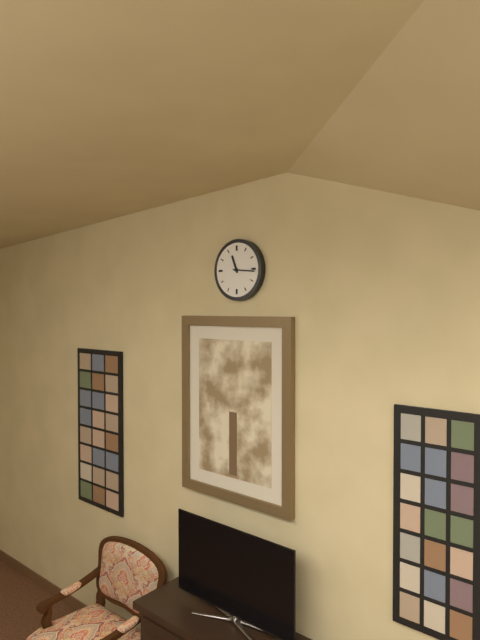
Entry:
11:16
